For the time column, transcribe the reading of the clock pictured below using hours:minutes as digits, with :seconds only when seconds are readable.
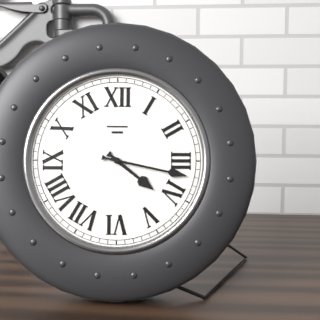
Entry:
4:17
